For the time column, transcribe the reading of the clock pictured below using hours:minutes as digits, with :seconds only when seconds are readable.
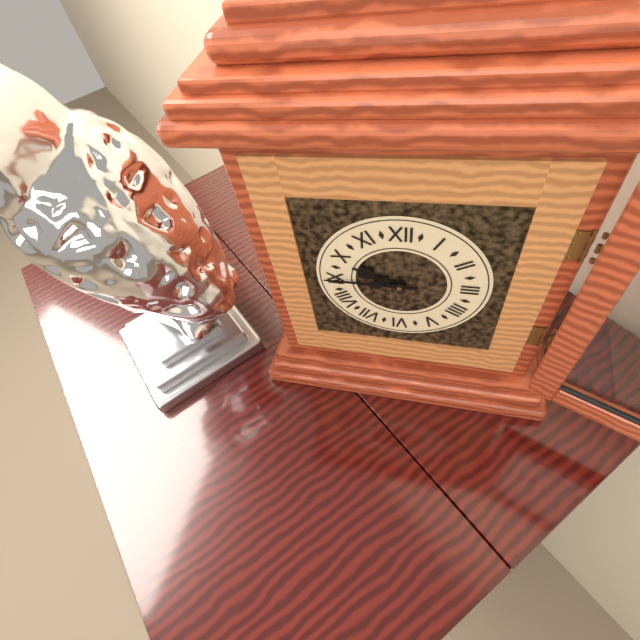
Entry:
9:45
